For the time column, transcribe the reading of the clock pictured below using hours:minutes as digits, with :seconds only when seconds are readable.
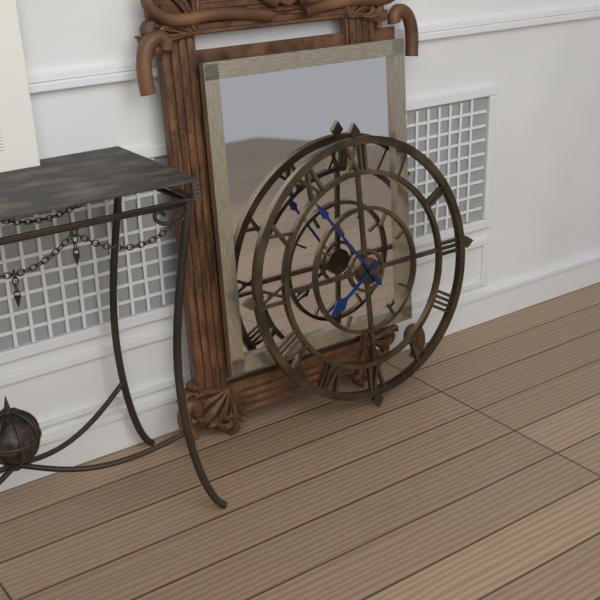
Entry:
7:54
